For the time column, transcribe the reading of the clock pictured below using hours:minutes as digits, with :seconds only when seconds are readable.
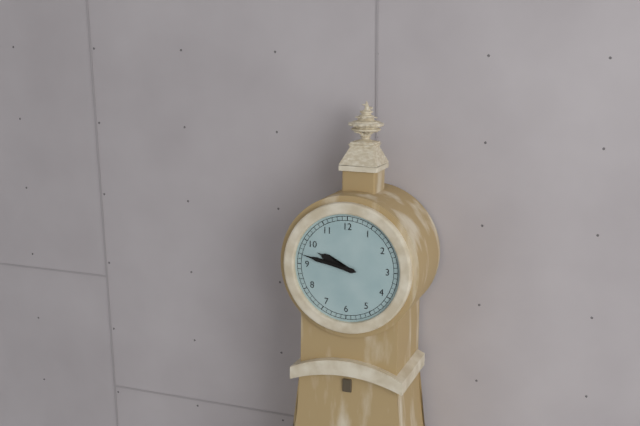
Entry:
9:47
